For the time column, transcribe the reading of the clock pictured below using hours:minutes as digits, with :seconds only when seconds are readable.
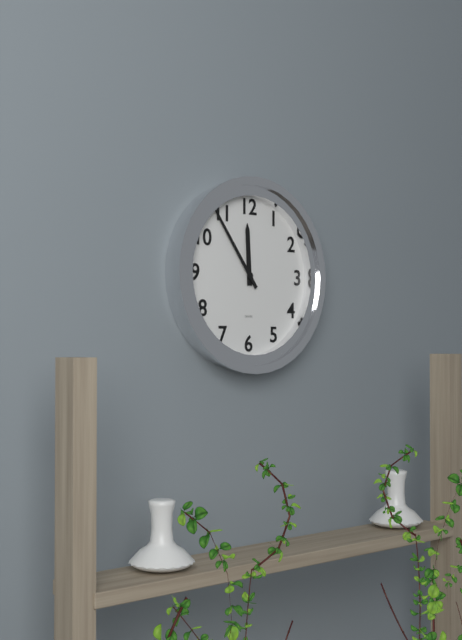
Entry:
11:54
